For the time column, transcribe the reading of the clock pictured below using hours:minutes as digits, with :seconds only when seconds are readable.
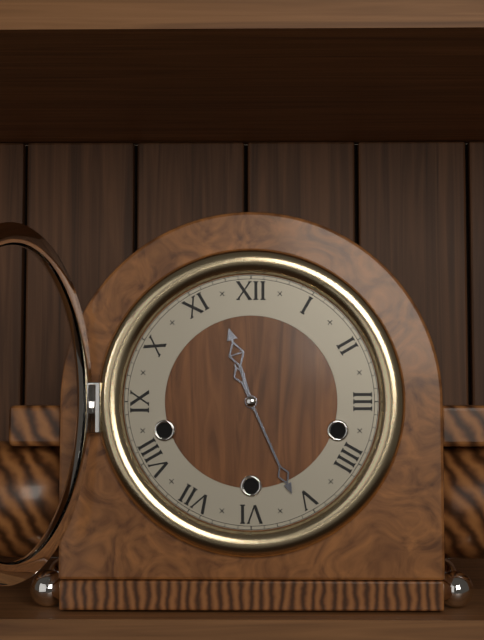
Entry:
11:26
